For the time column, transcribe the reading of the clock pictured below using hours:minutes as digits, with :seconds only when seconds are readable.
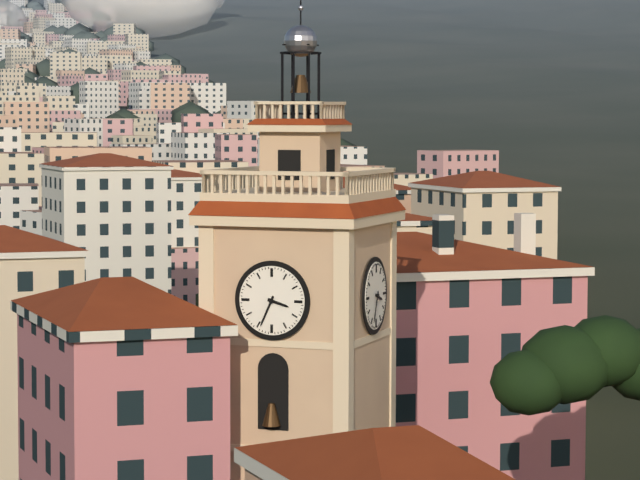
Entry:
3:34
